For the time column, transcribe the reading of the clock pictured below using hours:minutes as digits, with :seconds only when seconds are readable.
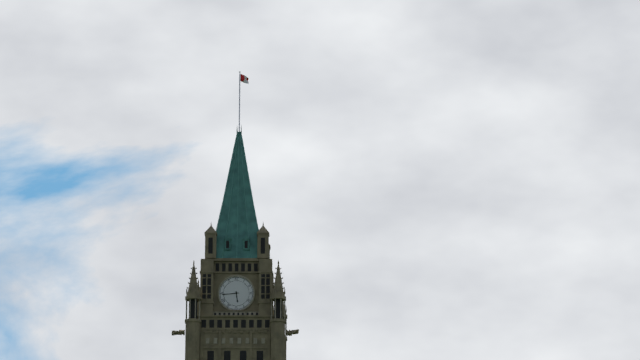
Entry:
5:44
